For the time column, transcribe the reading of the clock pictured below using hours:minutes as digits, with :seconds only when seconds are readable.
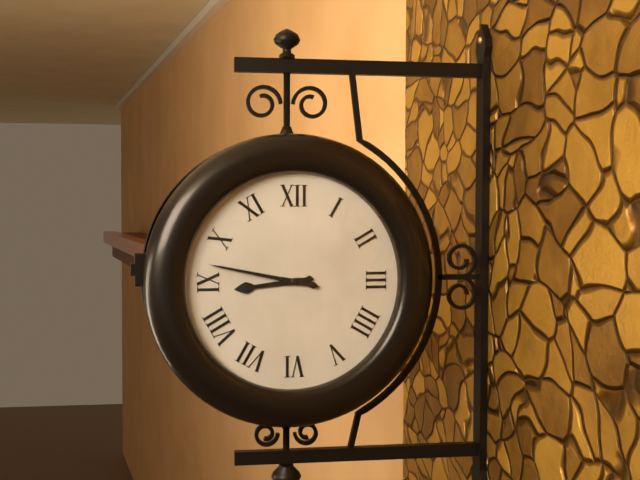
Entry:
8:47
